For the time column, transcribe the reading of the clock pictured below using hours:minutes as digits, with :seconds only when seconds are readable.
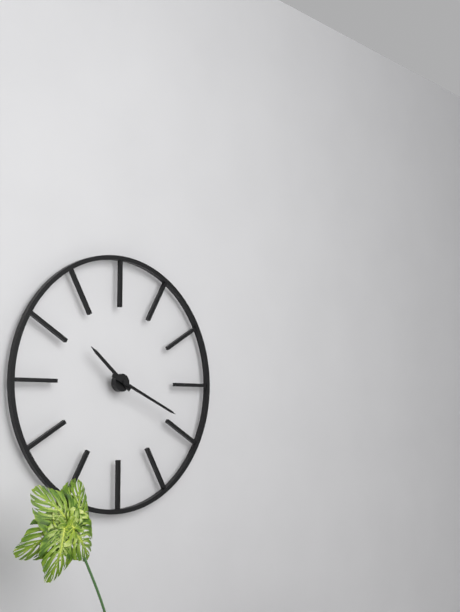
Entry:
10:19
